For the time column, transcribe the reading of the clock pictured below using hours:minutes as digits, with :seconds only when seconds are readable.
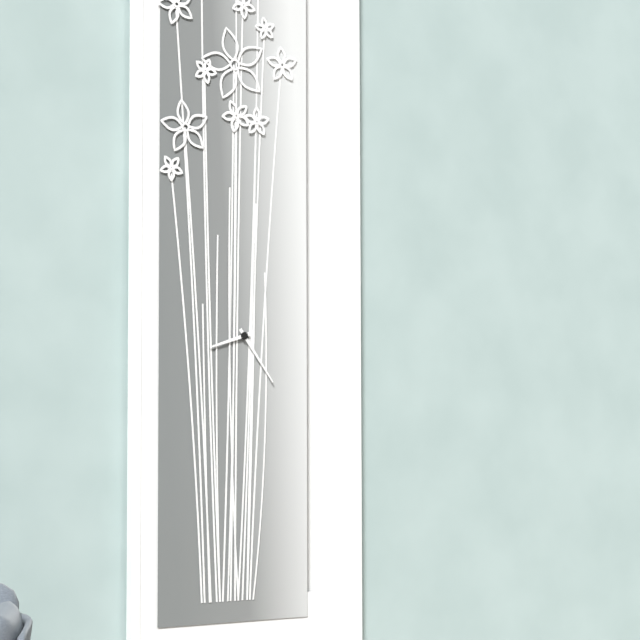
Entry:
8:24
